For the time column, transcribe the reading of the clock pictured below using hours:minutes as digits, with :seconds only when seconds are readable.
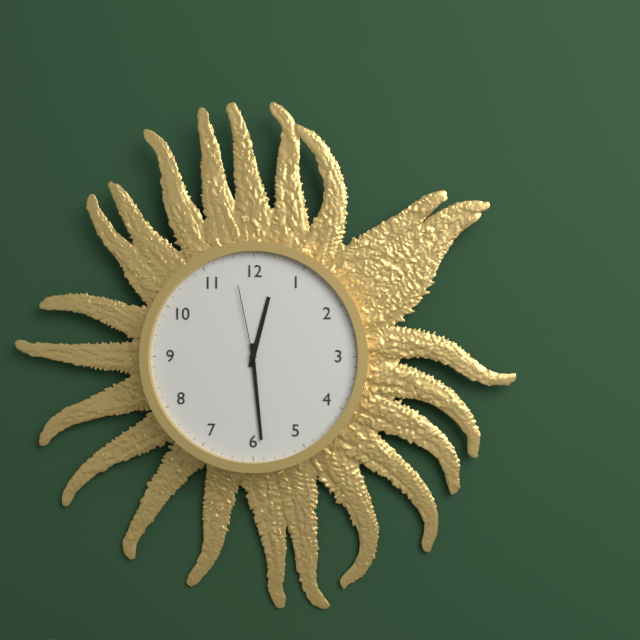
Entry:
12:29:58
